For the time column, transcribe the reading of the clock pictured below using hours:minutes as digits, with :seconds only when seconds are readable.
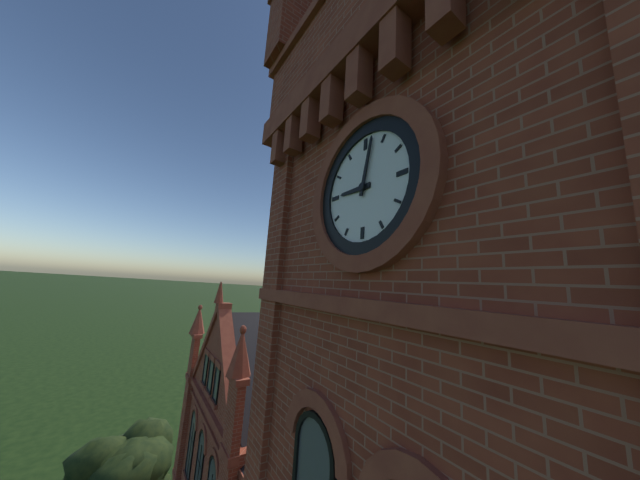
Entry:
9:02
